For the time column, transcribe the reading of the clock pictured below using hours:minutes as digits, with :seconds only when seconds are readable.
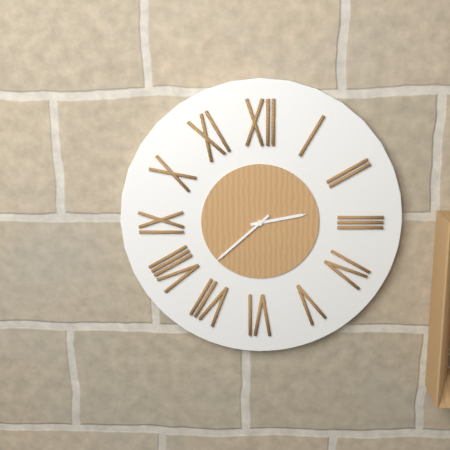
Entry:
2:38
